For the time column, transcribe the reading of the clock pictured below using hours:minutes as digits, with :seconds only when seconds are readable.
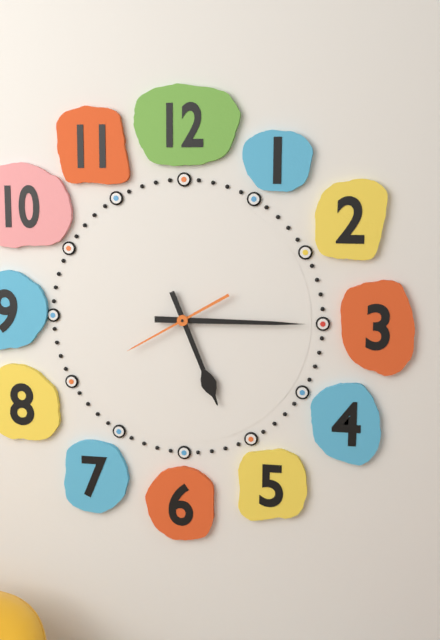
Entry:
5:15:40
